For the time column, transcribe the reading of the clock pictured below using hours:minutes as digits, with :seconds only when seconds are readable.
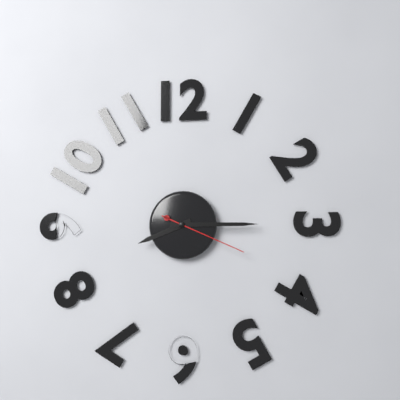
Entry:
8:15:19
